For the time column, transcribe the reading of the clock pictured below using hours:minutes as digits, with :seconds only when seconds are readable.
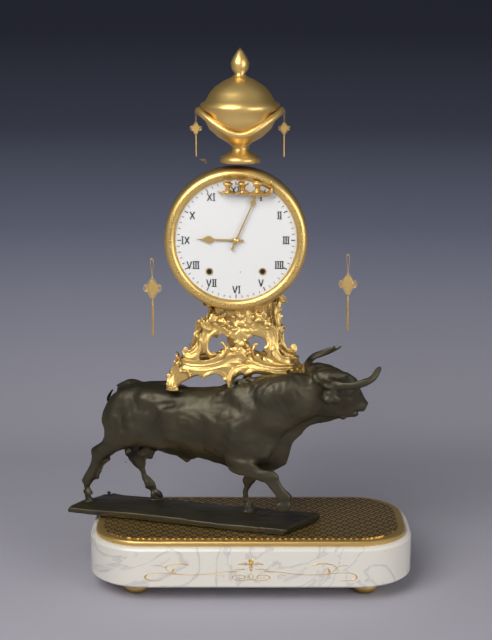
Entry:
9:04
